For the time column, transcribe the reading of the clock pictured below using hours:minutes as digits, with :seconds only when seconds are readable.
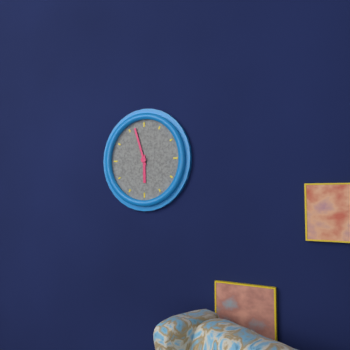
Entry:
5:57
